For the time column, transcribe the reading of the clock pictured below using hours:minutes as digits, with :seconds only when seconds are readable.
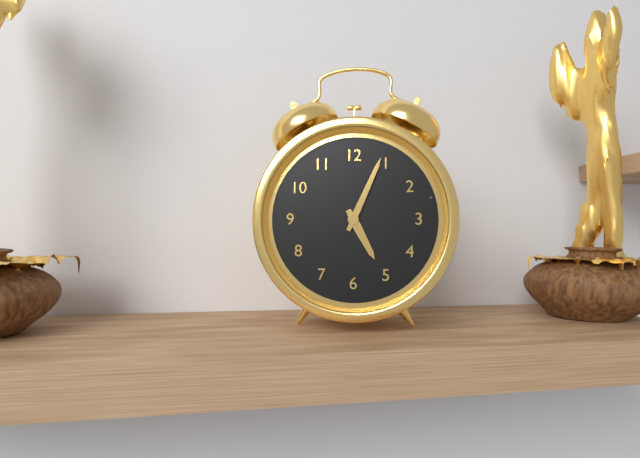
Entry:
5:04
